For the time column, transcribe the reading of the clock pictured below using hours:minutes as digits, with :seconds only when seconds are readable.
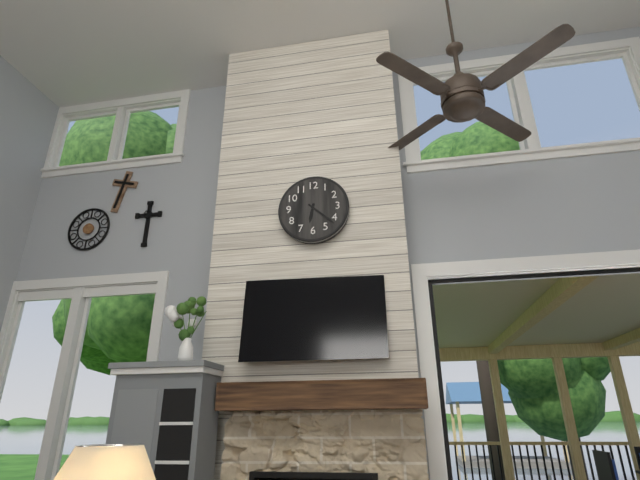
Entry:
6:22
